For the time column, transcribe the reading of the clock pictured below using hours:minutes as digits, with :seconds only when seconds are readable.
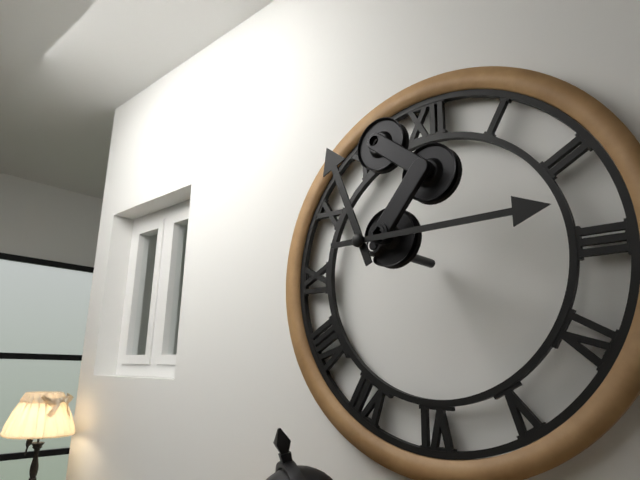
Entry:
11:15
